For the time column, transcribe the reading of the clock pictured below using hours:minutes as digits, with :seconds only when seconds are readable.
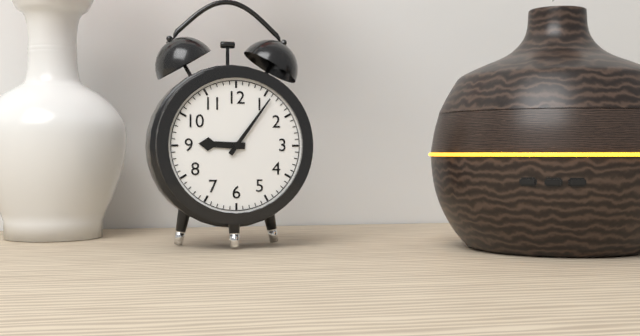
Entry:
9:06
